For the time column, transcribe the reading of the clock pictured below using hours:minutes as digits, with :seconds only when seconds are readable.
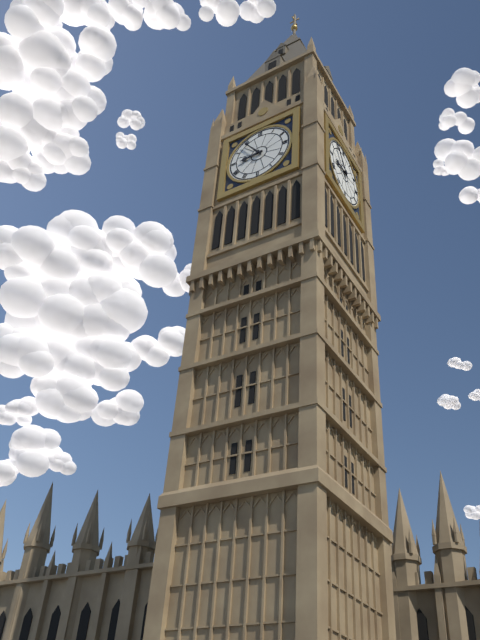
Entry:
8:54
